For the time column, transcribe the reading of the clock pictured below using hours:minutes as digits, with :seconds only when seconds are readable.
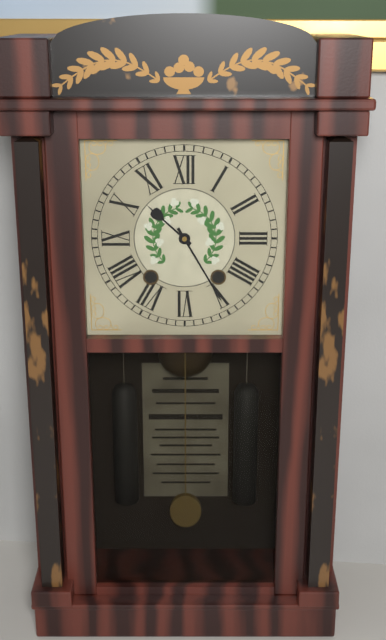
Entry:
10:25
